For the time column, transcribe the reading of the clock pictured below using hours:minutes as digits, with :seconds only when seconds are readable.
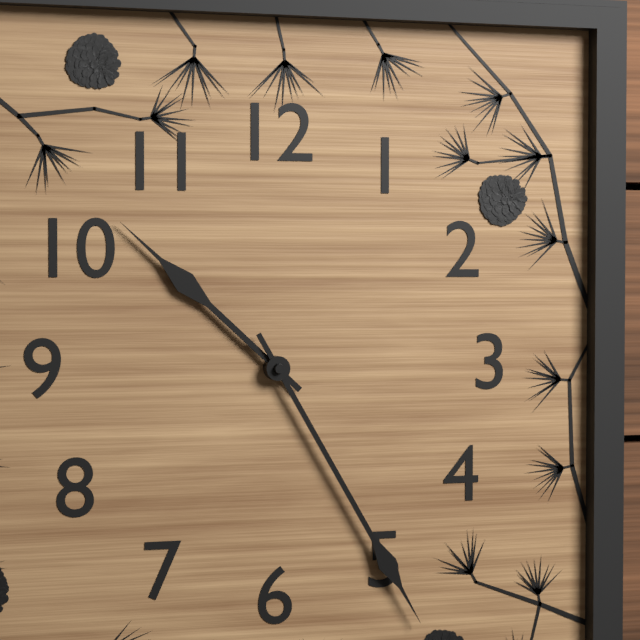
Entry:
10:25
